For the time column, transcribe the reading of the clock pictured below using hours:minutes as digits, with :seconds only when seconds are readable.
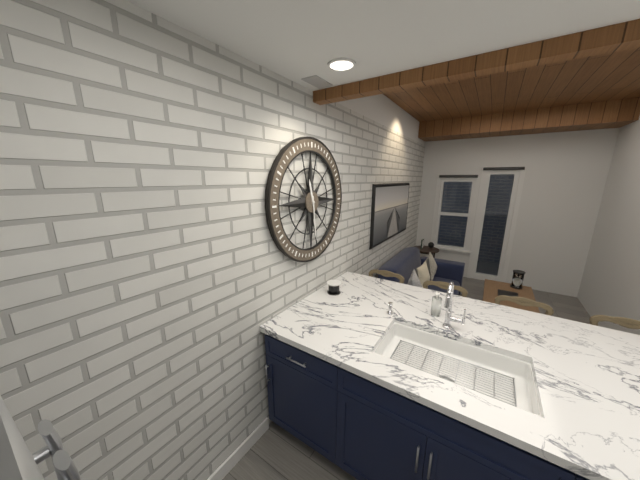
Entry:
11:29
